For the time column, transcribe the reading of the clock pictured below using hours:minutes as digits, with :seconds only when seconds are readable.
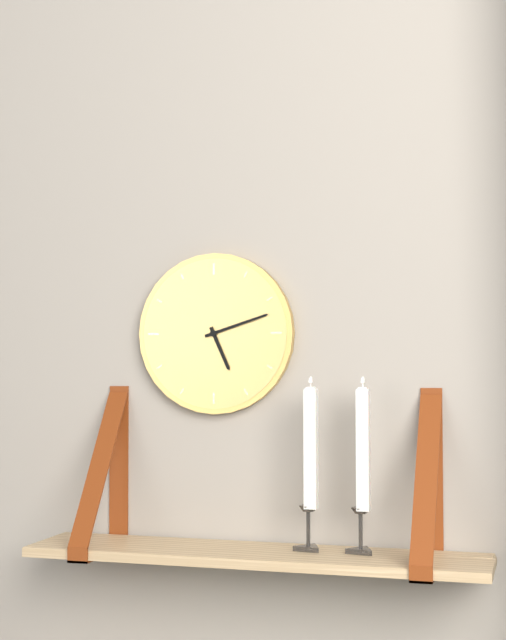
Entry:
5:12
